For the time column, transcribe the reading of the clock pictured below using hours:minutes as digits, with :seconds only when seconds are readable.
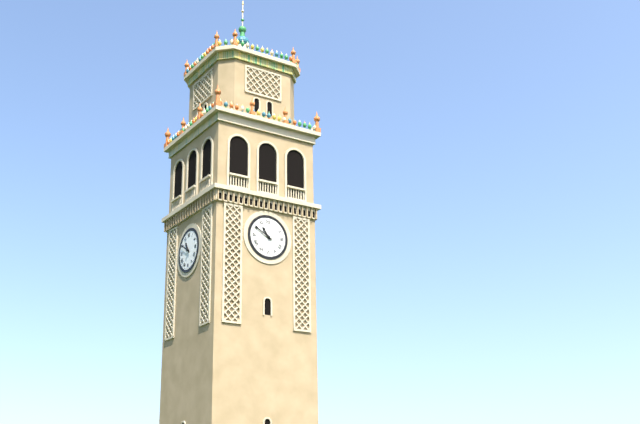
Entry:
10:50
